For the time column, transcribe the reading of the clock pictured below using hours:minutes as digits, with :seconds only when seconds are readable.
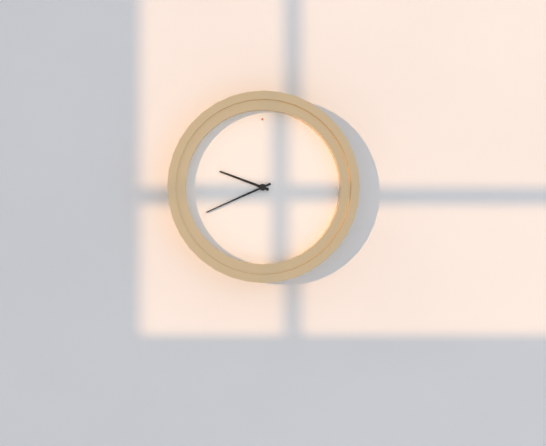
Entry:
9:41
